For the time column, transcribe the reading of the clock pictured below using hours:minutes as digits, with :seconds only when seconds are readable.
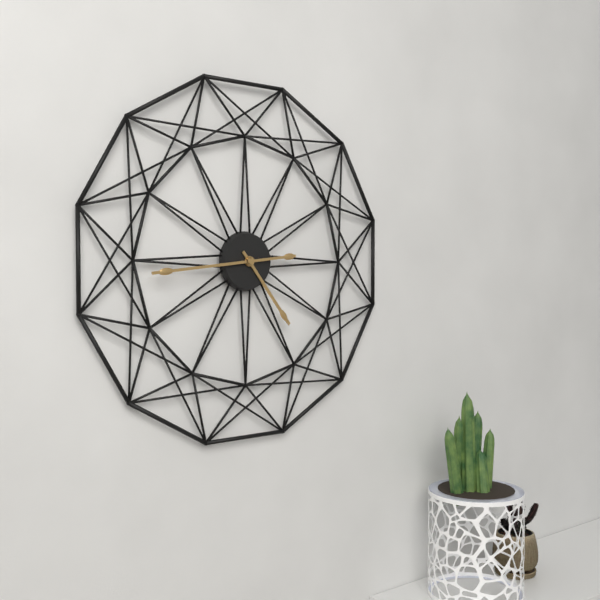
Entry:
4:44
